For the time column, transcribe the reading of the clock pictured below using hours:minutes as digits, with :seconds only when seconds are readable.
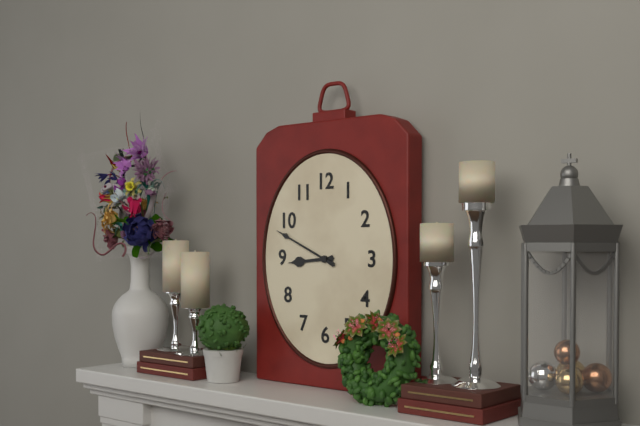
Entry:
8:49
